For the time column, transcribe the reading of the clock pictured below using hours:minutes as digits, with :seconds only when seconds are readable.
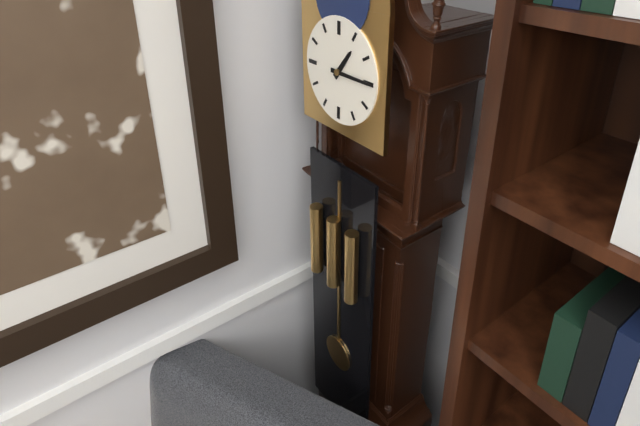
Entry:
1:15
